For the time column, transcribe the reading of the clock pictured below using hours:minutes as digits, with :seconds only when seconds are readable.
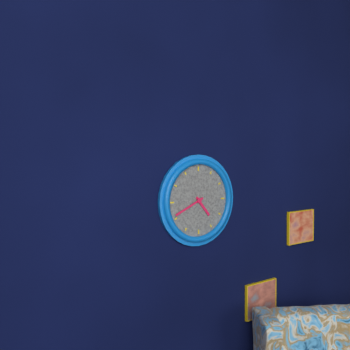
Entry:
4:41
